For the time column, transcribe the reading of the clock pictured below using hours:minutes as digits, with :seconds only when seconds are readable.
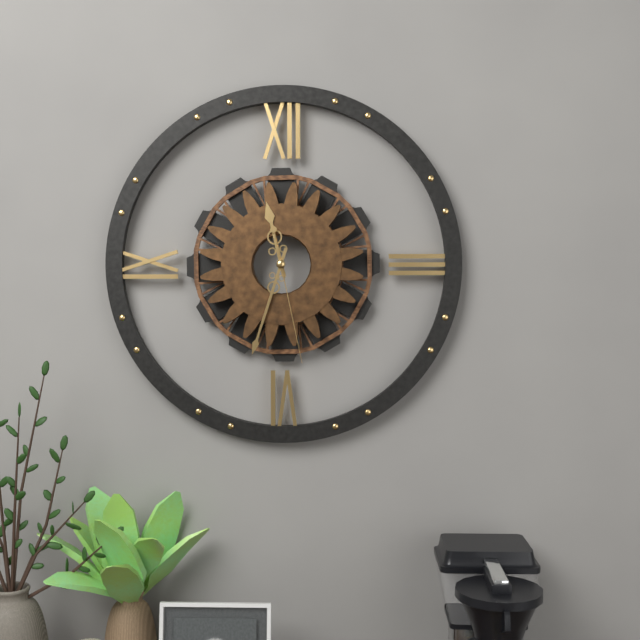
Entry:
11:33:28
